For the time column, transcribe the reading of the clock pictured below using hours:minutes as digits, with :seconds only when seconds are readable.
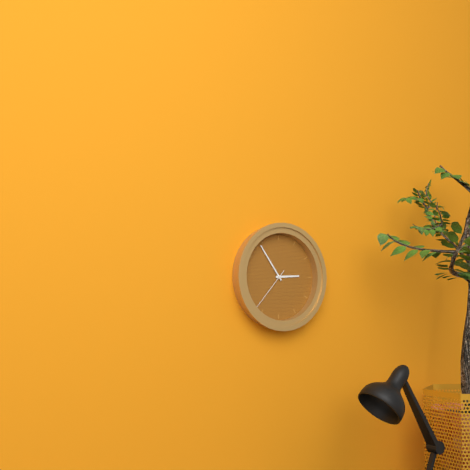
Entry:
2:54
